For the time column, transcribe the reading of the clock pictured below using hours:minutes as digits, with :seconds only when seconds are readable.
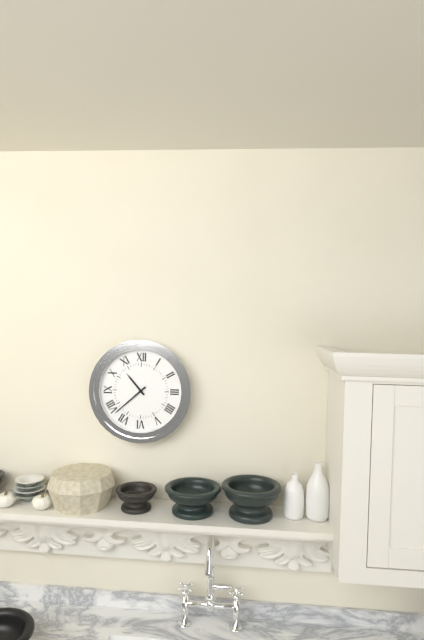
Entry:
10:38
